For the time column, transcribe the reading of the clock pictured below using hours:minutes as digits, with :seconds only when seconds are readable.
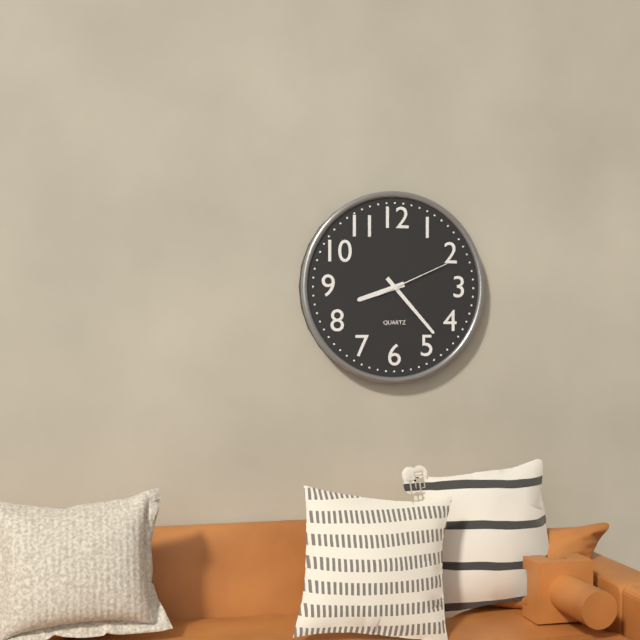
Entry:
8:23:11
